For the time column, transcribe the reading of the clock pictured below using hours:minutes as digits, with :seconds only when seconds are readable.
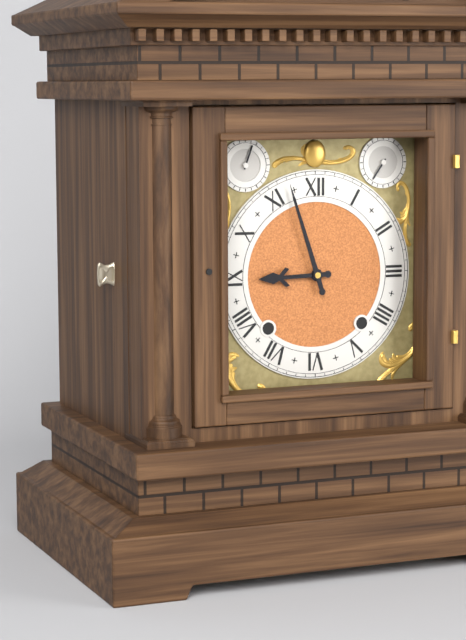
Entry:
8:57
